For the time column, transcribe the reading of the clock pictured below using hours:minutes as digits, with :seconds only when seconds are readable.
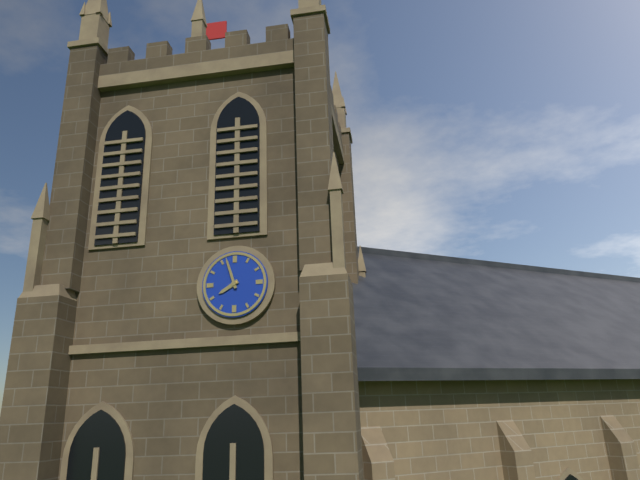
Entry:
7:57
